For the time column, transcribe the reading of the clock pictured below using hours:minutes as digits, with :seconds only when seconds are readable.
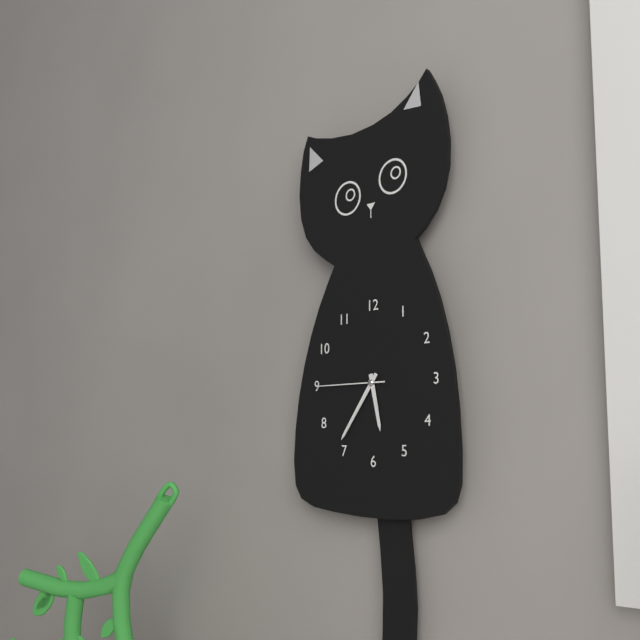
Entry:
5:36:45
